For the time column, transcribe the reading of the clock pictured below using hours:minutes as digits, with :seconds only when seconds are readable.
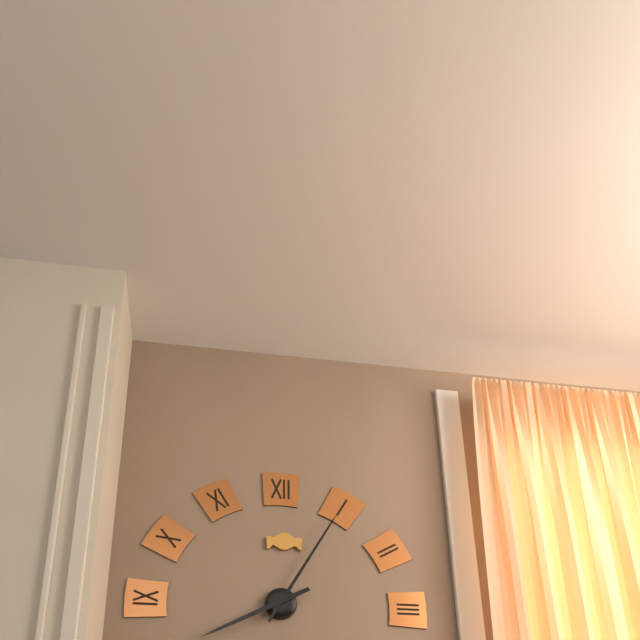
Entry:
8:05
